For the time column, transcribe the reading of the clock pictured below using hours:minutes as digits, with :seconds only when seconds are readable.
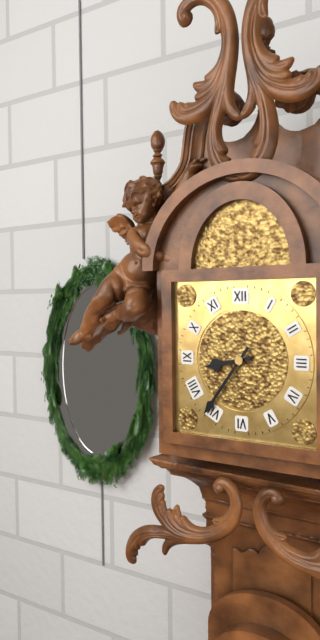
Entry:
8:36
